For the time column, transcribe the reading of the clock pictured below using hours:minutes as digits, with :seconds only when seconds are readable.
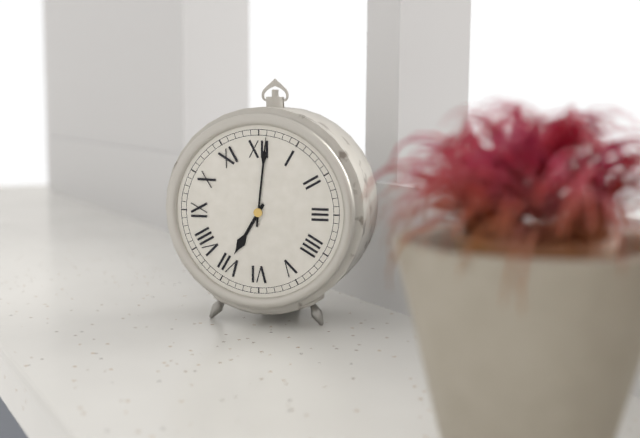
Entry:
7:01
